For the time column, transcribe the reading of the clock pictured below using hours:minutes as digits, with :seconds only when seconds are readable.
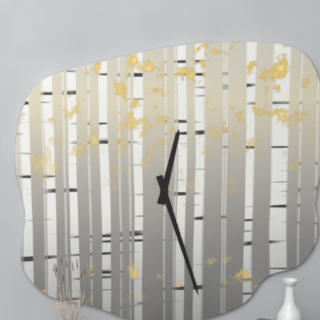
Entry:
12:27
